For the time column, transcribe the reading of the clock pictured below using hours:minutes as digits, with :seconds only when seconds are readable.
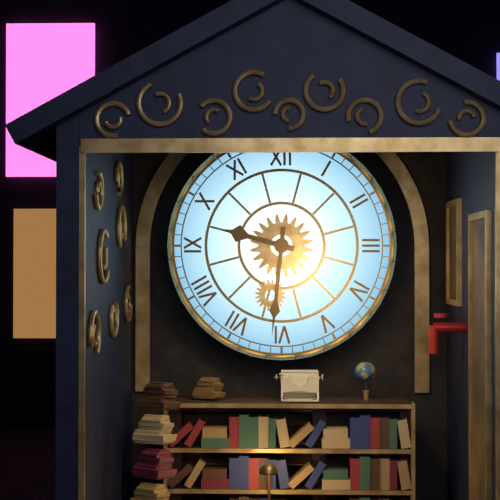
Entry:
9:31
